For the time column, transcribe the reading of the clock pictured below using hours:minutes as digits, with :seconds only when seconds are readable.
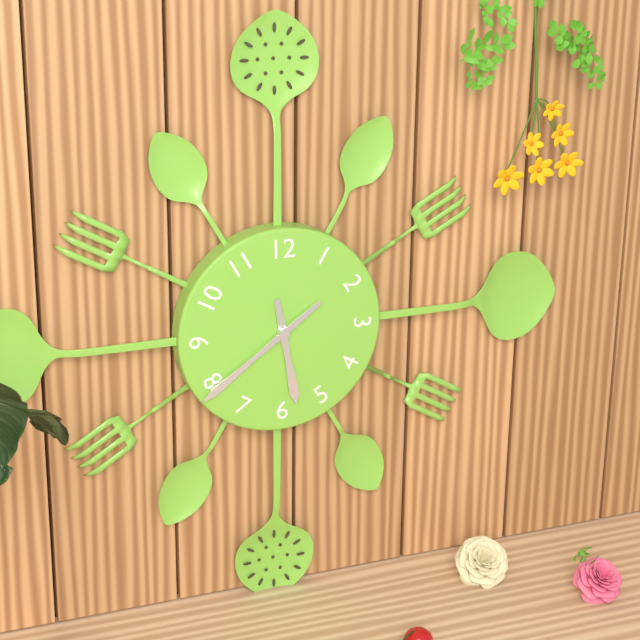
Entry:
5:39
